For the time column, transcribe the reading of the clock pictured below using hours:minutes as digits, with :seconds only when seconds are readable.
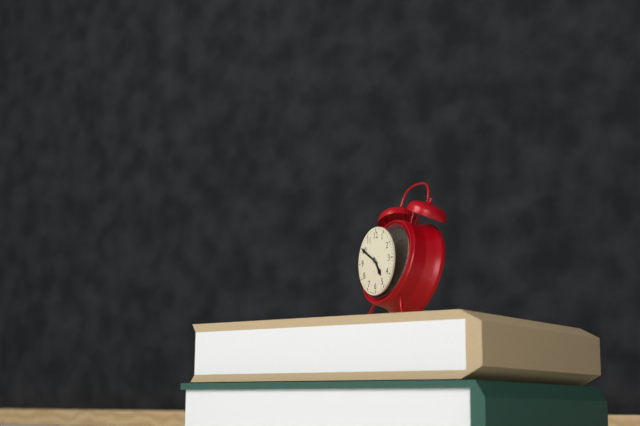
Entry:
4:50
